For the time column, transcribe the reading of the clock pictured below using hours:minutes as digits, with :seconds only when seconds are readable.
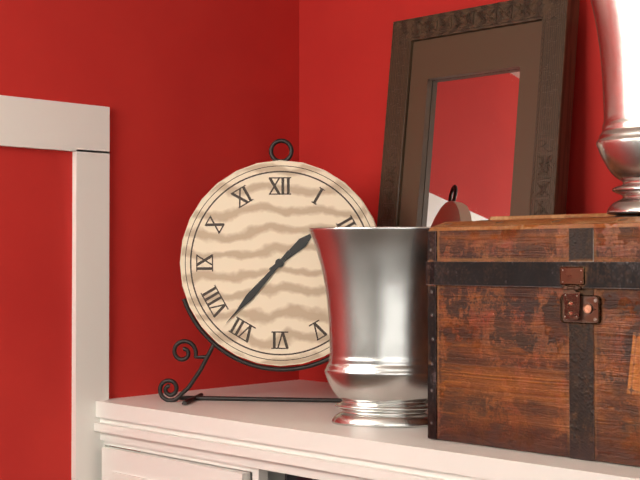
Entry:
1:37
